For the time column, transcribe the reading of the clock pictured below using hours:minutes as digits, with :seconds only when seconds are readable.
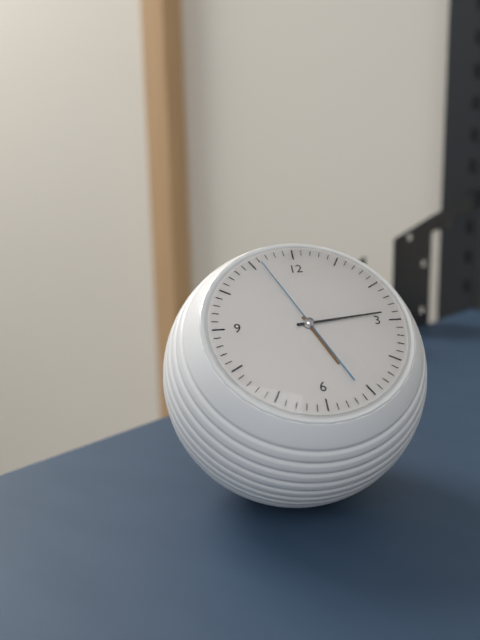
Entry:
5:14:56
